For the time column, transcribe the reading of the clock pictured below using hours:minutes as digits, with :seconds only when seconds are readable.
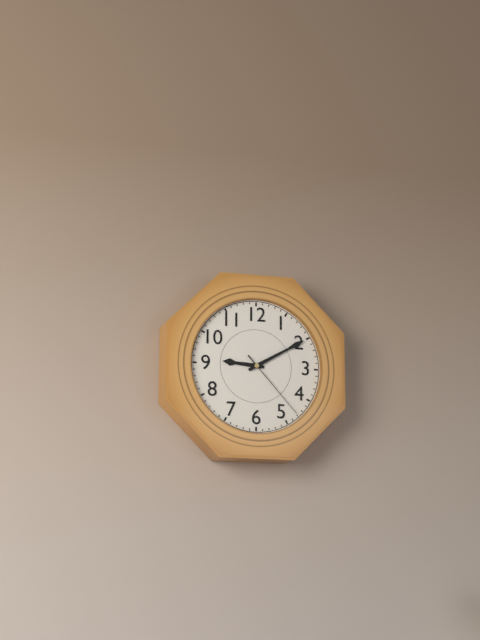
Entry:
9:10:23
